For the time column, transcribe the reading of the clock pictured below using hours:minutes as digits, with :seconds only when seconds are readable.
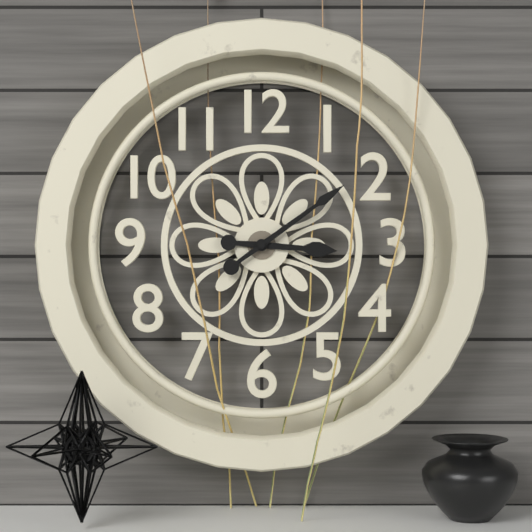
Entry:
3:09
